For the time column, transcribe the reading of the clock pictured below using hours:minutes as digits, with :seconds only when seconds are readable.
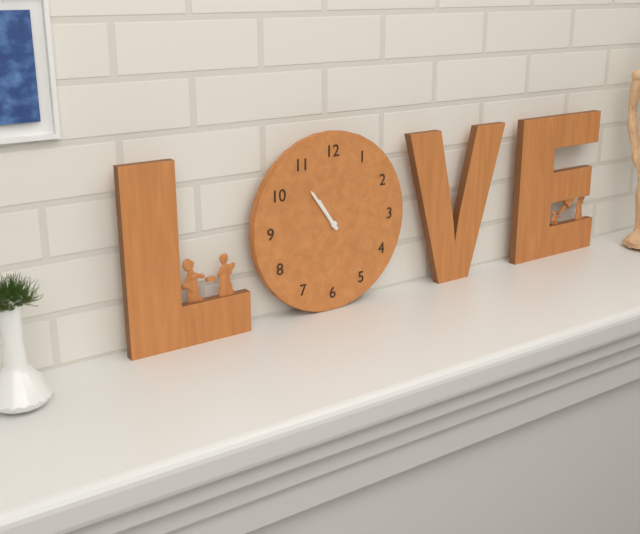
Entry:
10:54
